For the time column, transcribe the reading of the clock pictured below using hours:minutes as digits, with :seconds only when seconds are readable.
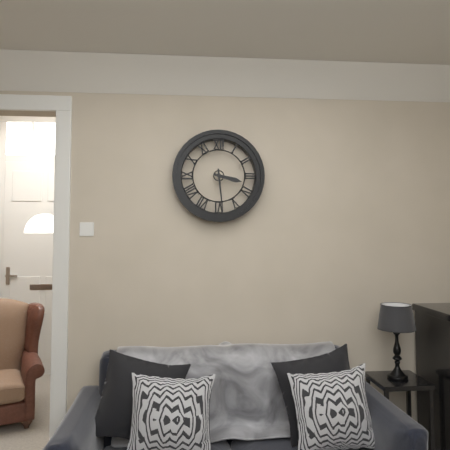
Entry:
3:29
